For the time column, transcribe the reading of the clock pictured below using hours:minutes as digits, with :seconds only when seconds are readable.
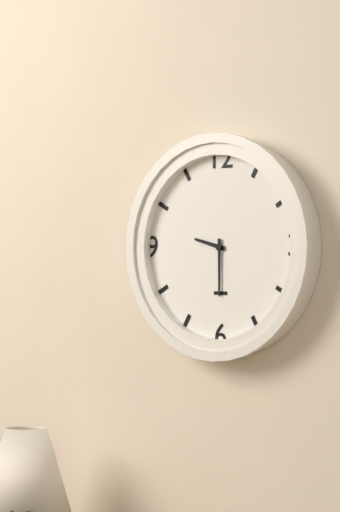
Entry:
9:30
